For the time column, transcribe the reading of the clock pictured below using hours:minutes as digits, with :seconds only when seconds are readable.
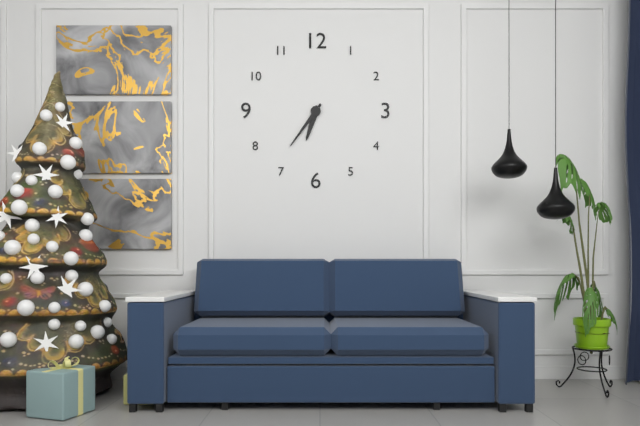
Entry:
6:36
